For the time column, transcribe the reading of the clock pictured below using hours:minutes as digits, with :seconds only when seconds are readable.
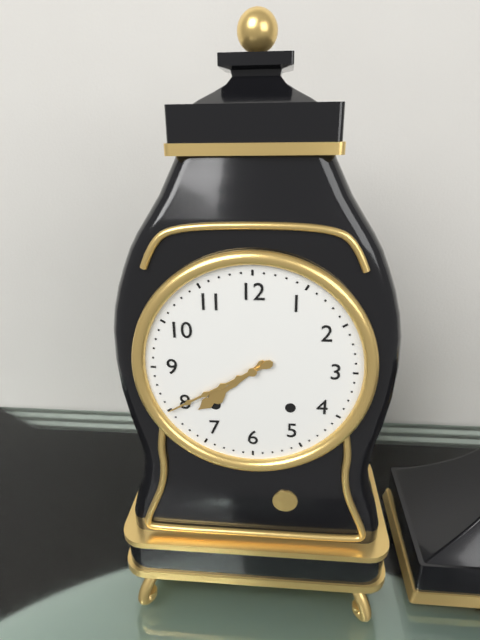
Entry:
7:40
